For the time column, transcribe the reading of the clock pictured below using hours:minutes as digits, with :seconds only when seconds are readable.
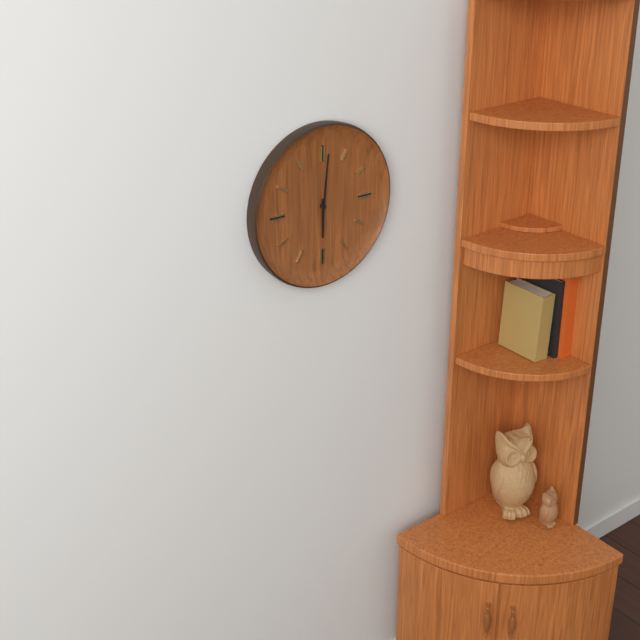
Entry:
6:01
